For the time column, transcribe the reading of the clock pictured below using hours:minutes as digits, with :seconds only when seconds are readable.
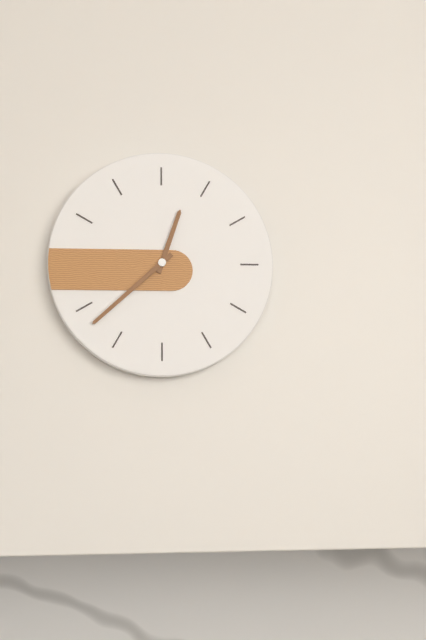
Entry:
12:38
